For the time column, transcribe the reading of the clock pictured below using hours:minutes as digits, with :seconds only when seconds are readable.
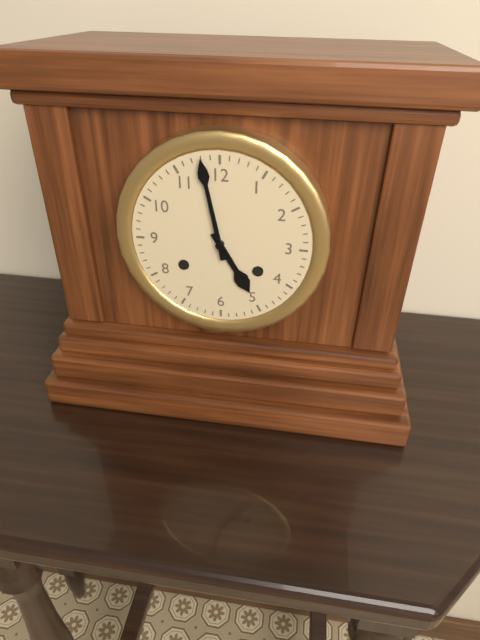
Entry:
4:58
